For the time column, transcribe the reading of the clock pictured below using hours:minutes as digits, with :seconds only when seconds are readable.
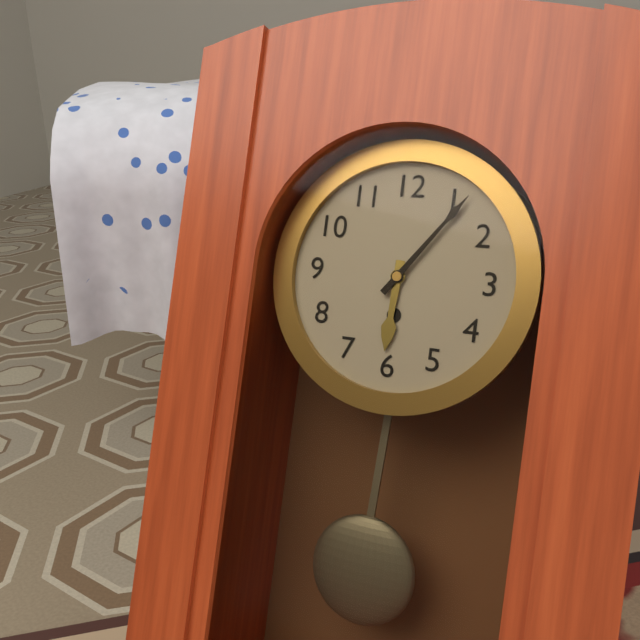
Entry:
6:06
